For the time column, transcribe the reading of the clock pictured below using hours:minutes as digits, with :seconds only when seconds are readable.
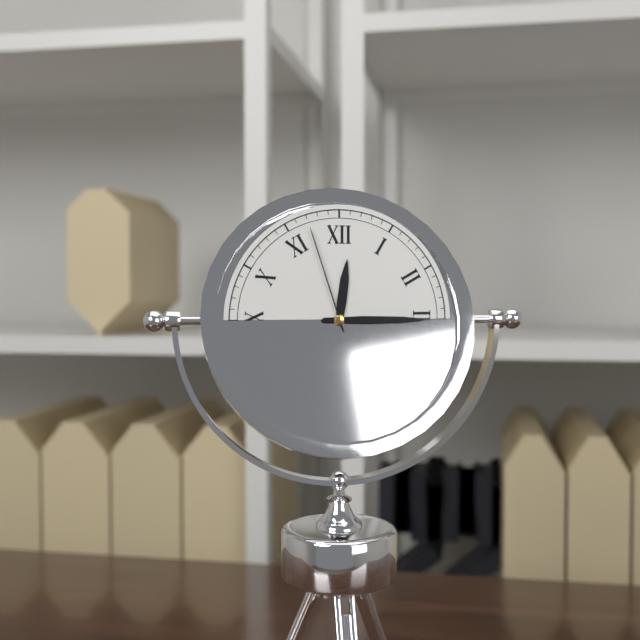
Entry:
12:15:57
